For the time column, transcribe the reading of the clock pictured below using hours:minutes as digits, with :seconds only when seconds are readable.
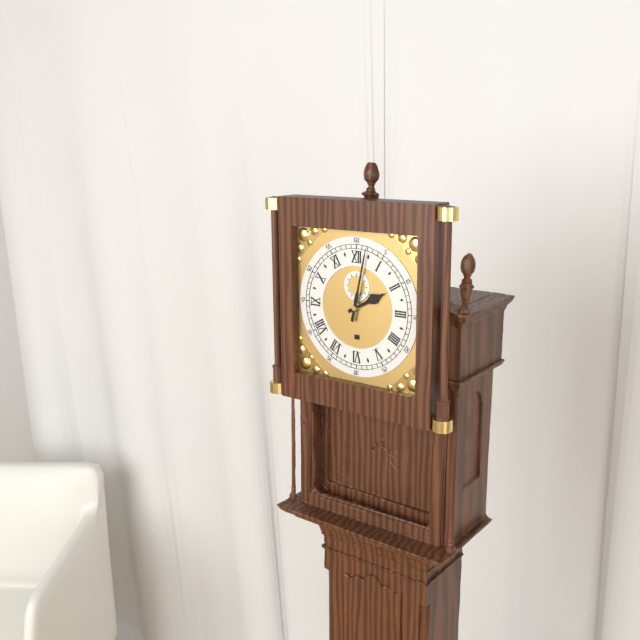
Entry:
2:02
